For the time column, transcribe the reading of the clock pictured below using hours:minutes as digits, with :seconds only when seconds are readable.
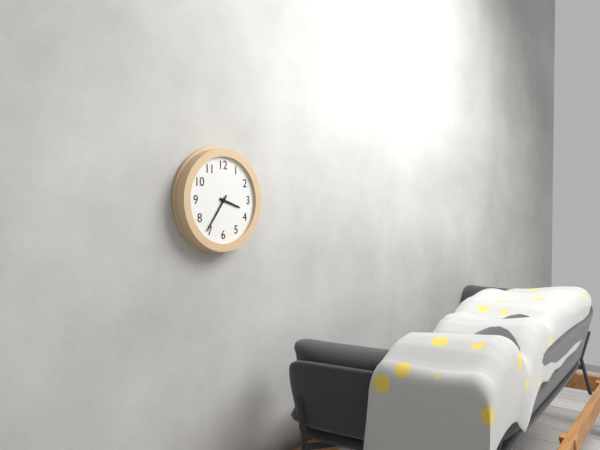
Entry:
3:36
